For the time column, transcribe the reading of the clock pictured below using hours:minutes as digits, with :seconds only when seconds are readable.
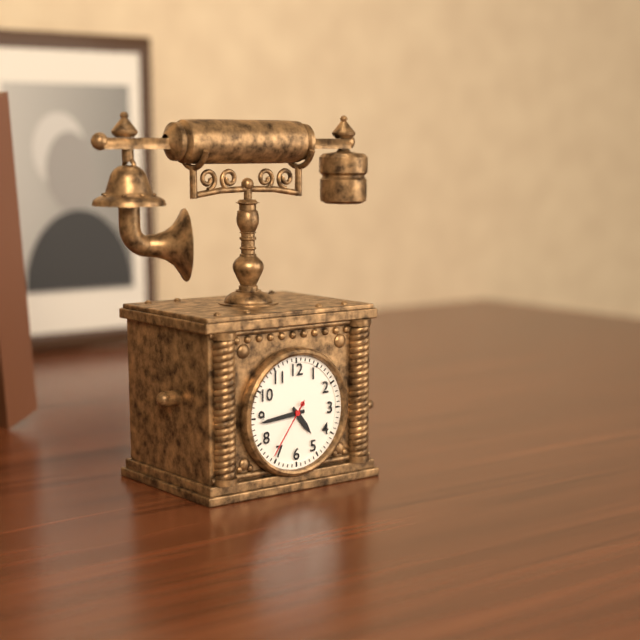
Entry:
4:44:36
